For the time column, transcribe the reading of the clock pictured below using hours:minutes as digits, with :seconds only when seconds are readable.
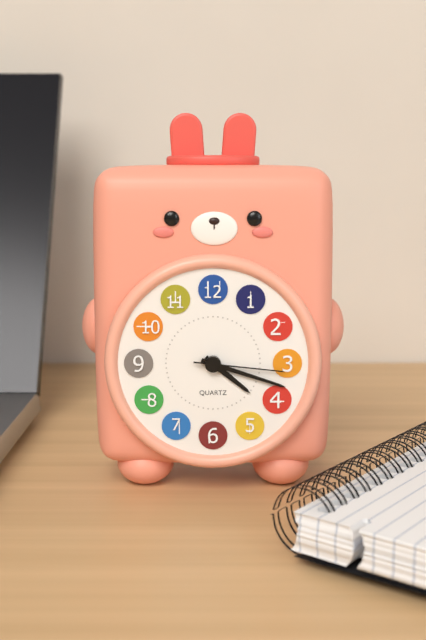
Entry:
4:18:16
